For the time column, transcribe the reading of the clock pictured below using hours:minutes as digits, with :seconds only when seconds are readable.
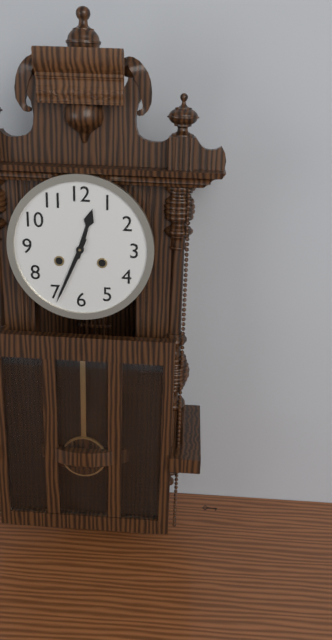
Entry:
12:34
